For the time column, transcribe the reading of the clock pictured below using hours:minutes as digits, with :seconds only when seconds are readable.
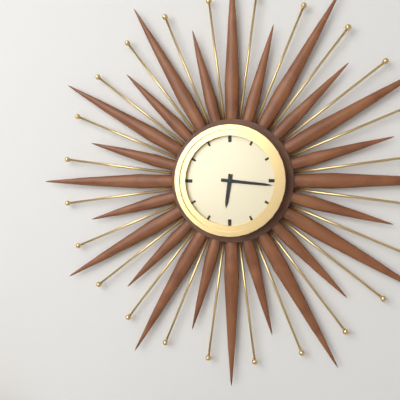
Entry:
6:16
